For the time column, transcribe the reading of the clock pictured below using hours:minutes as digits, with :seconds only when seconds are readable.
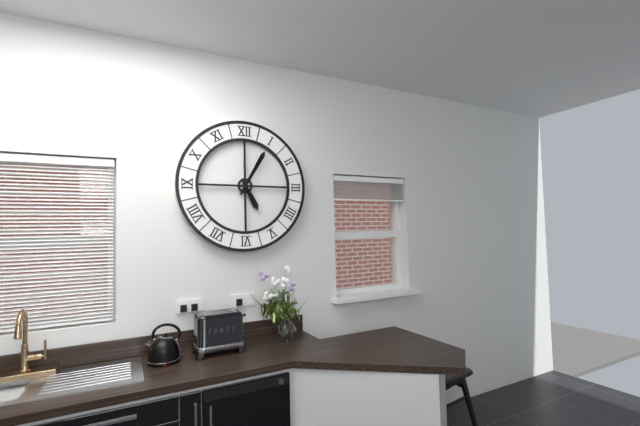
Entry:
5:05
